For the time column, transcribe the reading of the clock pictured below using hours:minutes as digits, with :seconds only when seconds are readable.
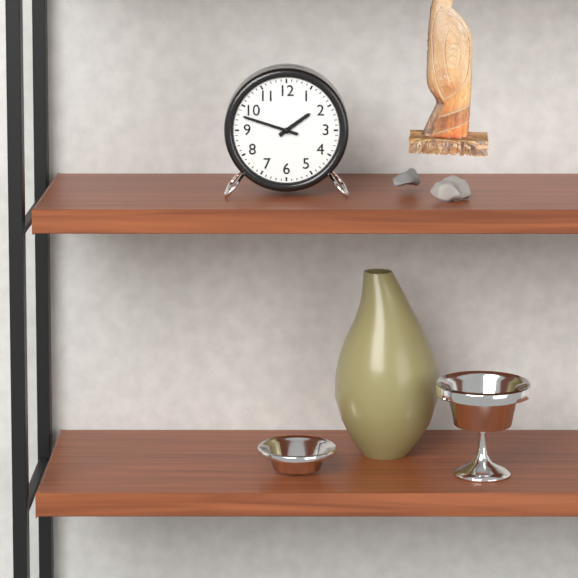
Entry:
1:48
